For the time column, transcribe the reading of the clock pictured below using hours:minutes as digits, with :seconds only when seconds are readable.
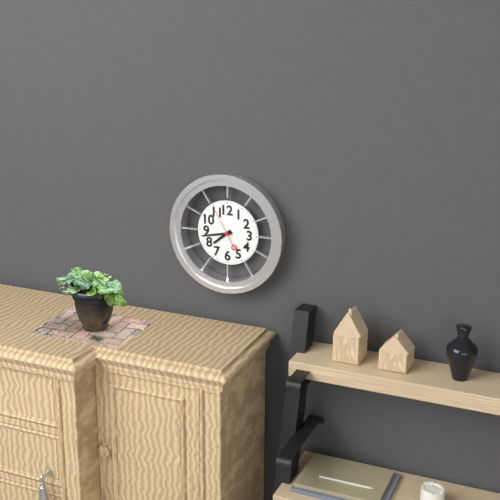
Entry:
7:43
